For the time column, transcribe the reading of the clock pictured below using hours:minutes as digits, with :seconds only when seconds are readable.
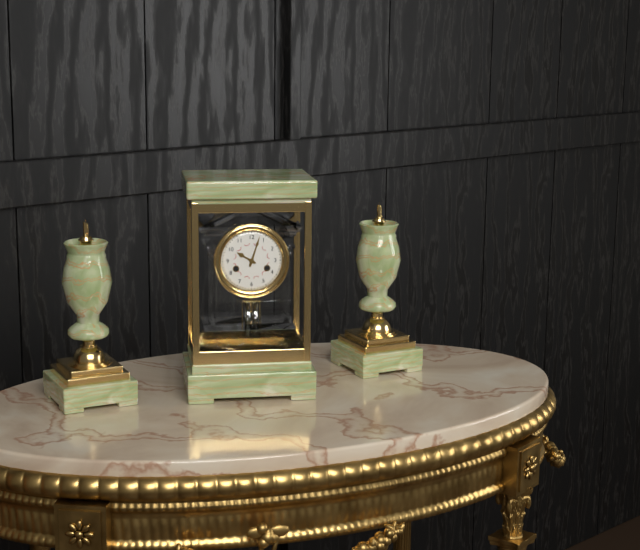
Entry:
10:03
